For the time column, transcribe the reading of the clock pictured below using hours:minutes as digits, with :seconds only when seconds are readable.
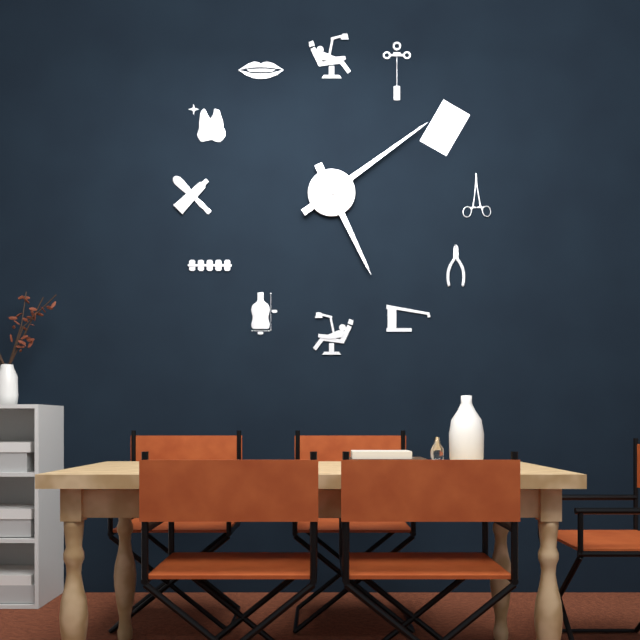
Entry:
5:09
